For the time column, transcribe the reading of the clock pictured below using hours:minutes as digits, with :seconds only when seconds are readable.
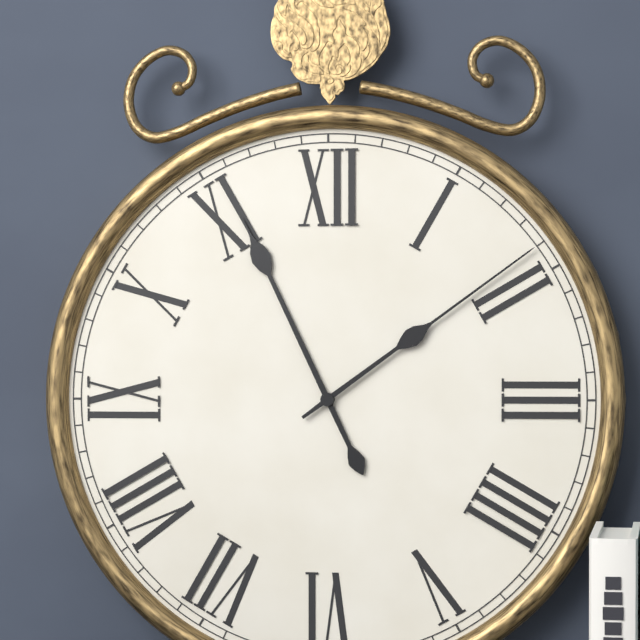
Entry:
11:09
